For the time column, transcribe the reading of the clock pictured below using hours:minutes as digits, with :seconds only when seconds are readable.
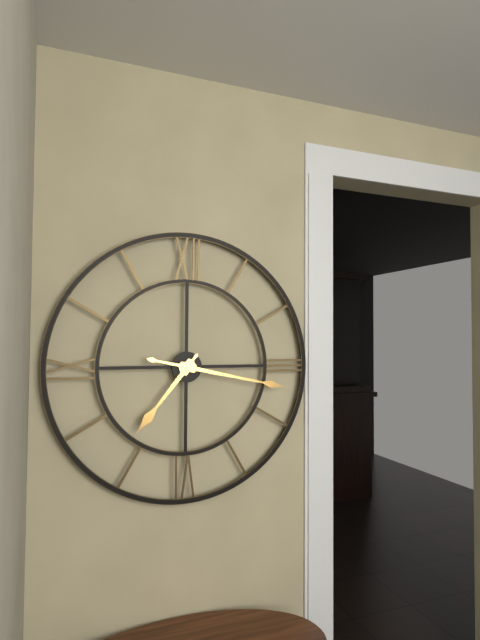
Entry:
7:17
